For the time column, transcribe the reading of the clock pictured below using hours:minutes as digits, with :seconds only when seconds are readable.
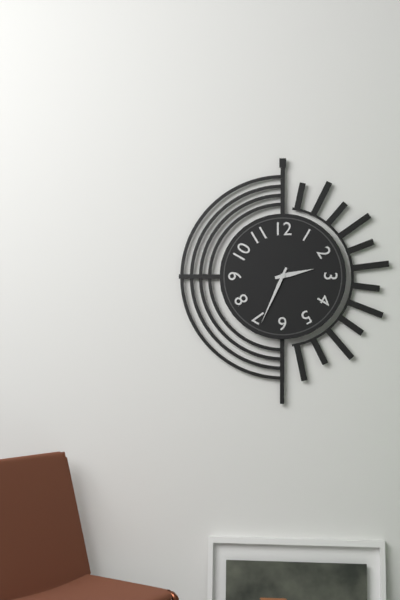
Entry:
2:34
